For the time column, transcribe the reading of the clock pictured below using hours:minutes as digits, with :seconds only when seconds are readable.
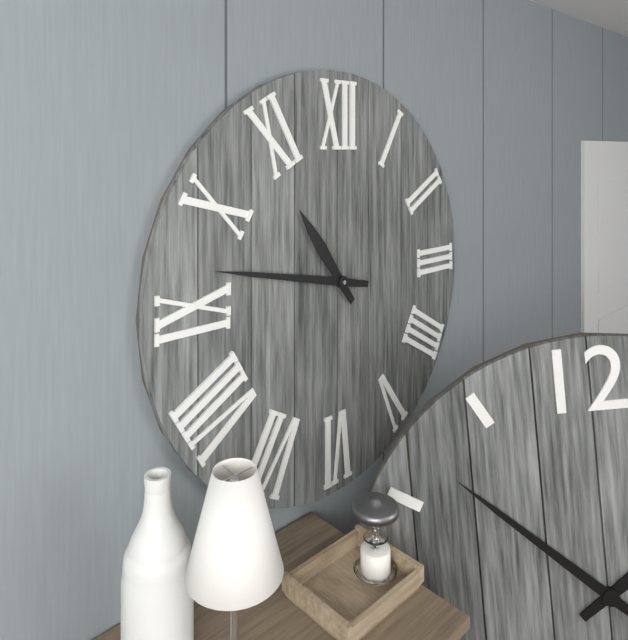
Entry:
10:47
